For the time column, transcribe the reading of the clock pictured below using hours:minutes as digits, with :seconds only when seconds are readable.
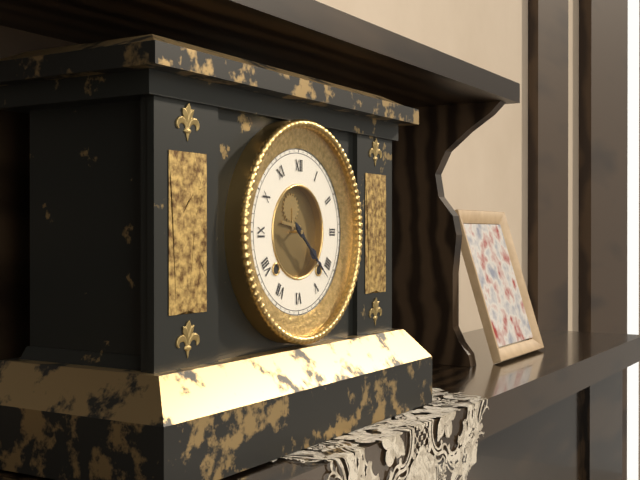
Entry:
4:22
